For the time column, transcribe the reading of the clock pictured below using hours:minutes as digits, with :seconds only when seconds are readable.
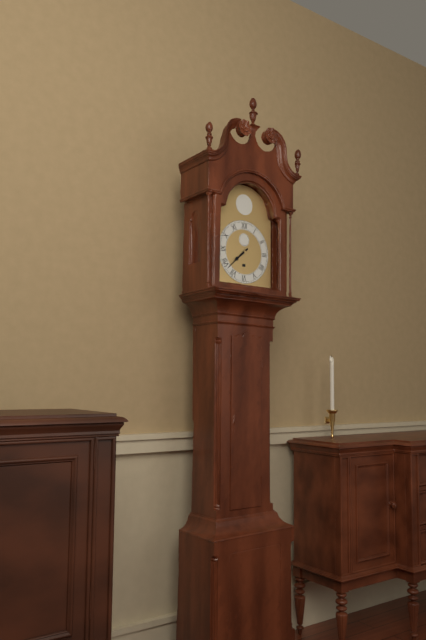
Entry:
7:38
